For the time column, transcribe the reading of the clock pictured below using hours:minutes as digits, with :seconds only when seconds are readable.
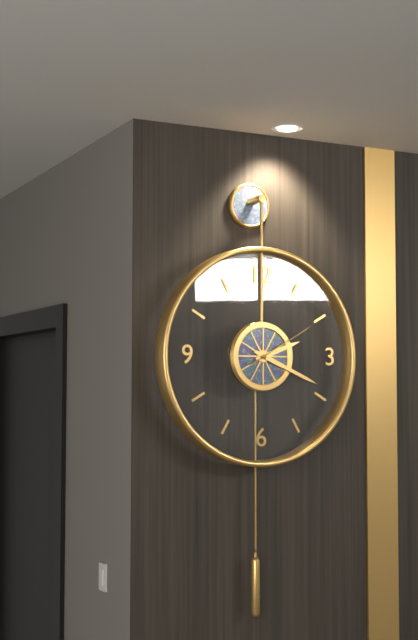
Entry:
2:19:10
